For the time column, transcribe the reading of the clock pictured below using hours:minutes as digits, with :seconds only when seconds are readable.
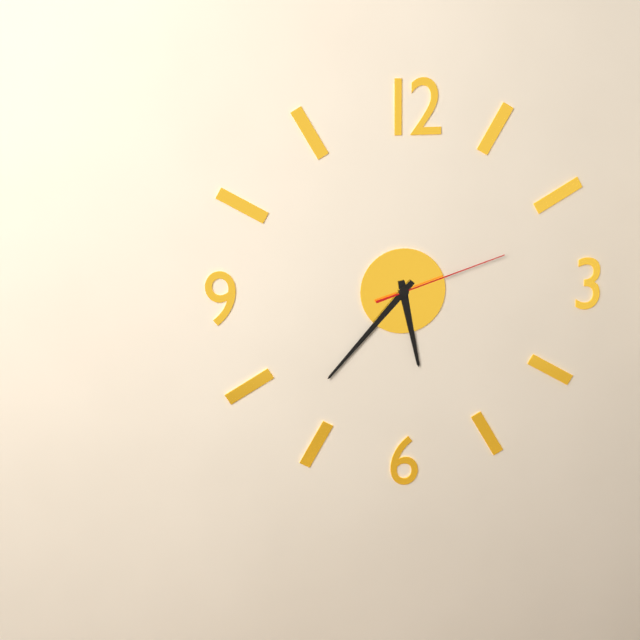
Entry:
5:37:12
